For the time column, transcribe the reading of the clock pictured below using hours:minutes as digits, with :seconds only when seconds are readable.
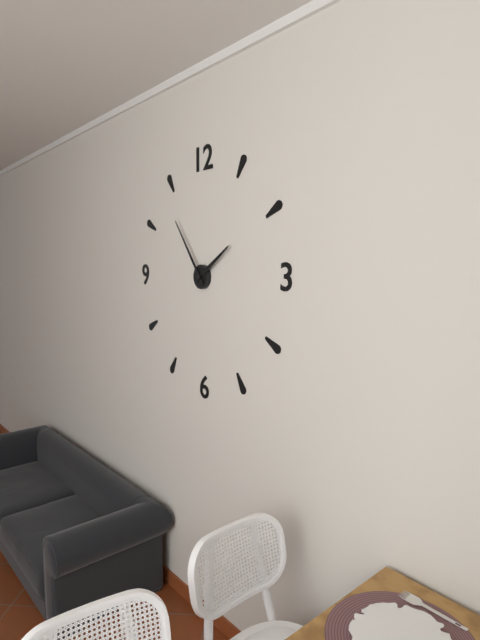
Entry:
1:54
